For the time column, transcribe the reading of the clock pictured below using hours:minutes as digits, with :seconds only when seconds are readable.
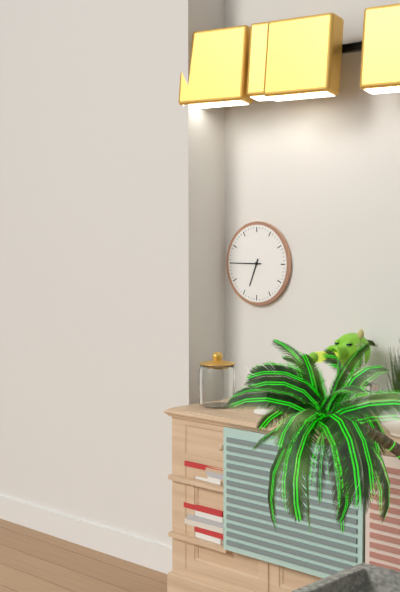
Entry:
6:45
